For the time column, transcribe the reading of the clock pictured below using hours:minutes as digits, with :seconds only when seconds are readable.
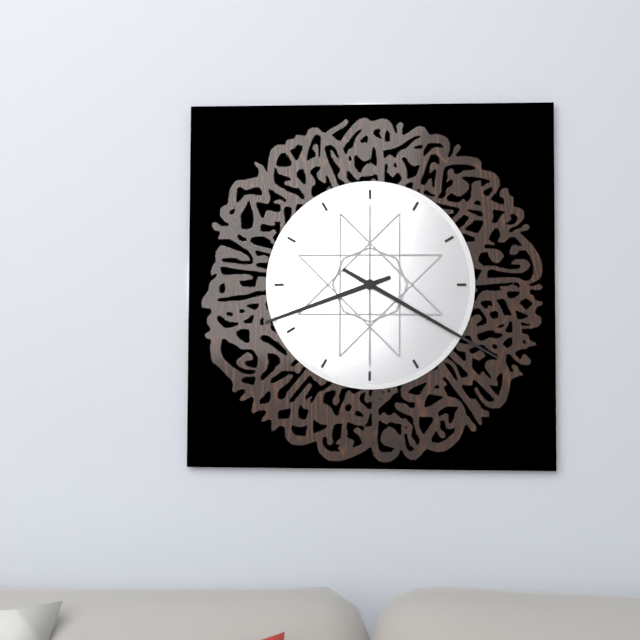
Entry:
8:20
